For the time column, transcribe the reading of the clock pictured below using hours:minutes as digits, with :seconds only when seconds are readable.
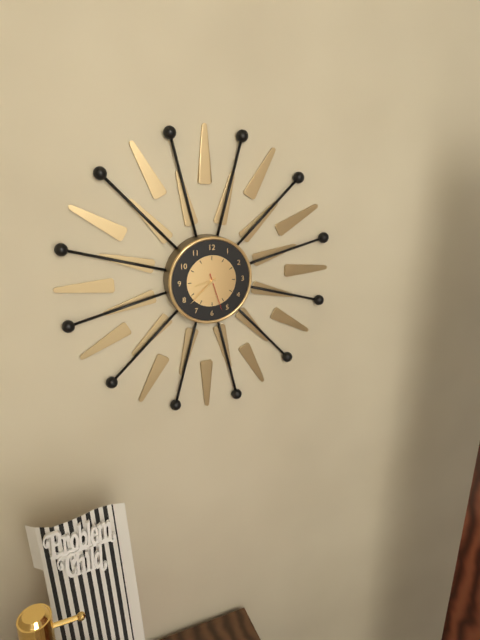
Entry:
8:38
